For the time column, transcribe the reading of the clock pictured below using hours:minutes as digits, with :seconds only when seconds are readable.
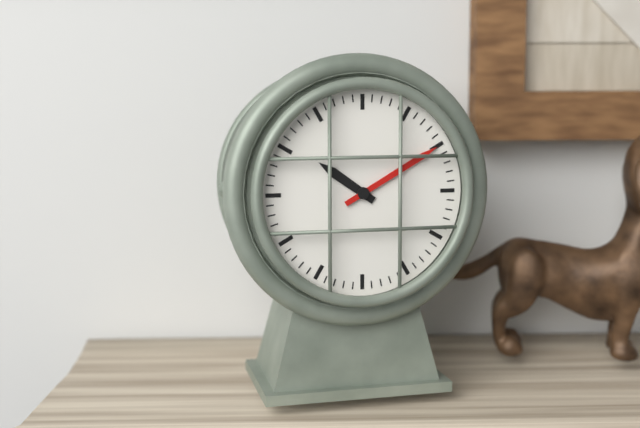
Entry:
10:10
